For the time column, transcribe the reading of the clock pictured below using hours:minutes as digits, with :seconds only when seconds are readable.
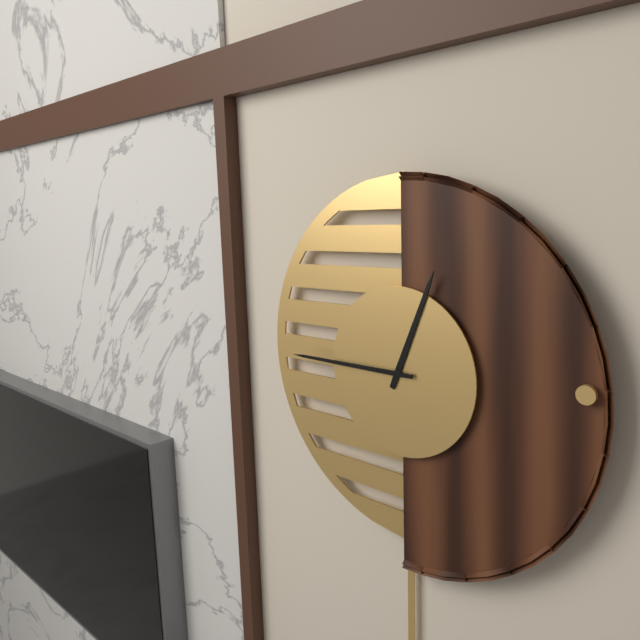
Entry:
12:45
